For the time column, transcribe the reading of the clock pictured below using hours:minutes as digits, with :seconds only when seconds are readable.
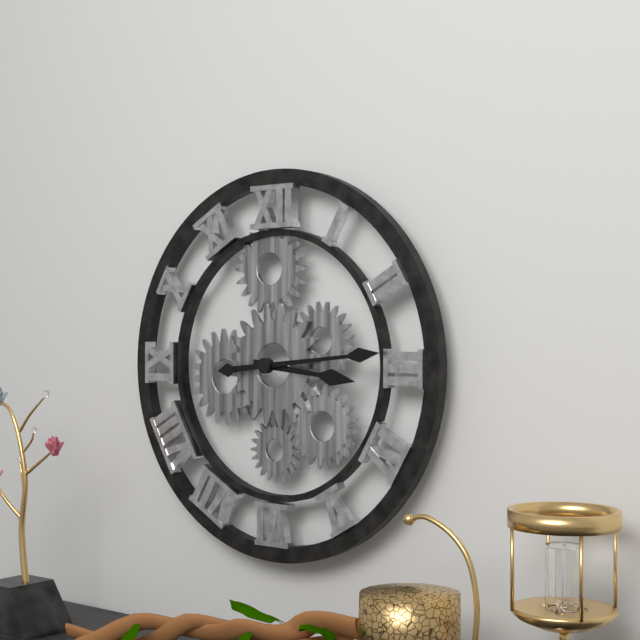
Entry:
3:14
